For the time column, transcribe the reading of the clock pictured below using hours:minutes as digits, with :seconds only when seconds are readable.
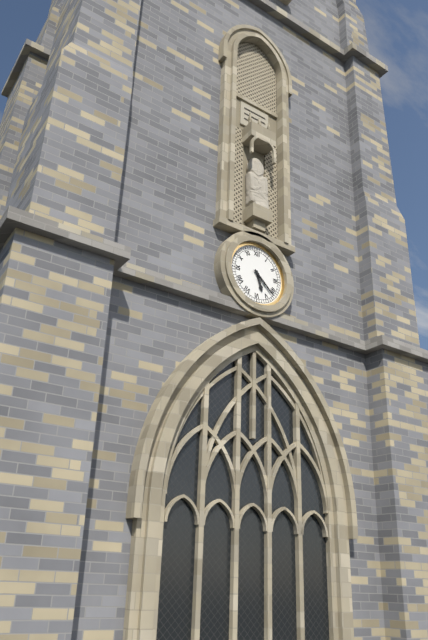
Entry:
5:22
